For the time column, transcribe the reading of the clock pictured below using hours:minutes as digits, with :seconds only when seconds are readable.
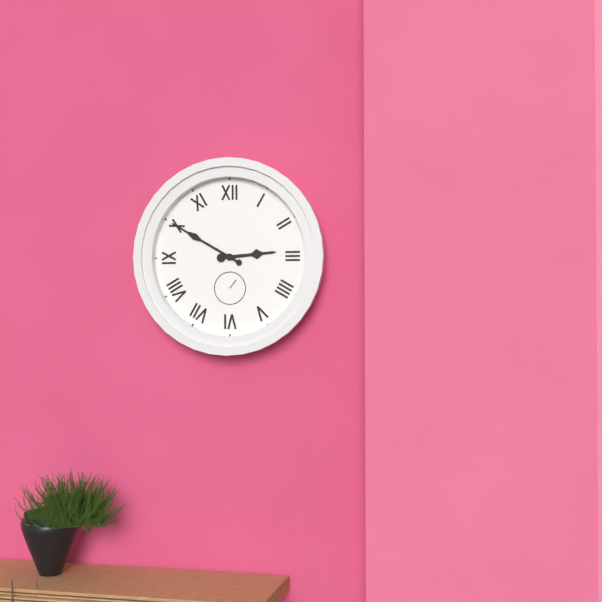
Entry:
2:50
